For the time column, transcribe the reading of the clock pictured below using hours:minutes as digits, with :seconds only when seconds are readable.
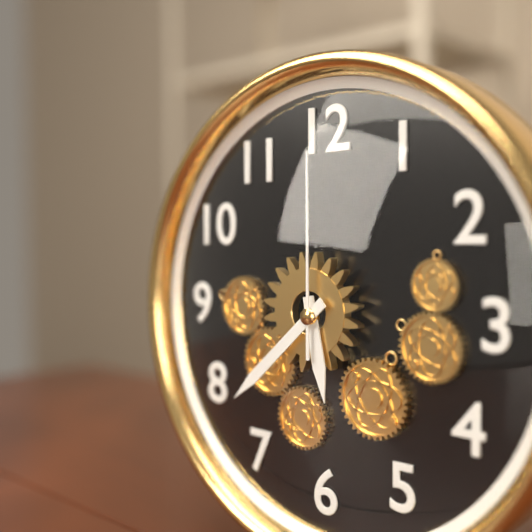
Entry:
5:38:00
